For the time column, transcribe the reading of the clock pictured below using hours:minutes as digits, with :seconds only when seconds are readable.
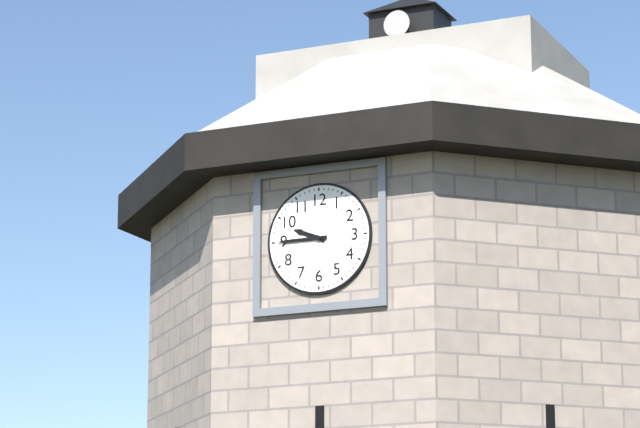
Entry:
9:45
